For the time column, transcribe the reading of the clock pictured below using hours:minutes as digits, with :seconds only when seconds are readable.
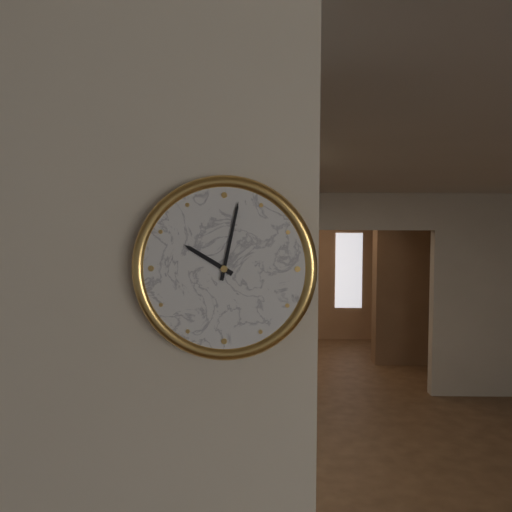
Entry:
10:02
